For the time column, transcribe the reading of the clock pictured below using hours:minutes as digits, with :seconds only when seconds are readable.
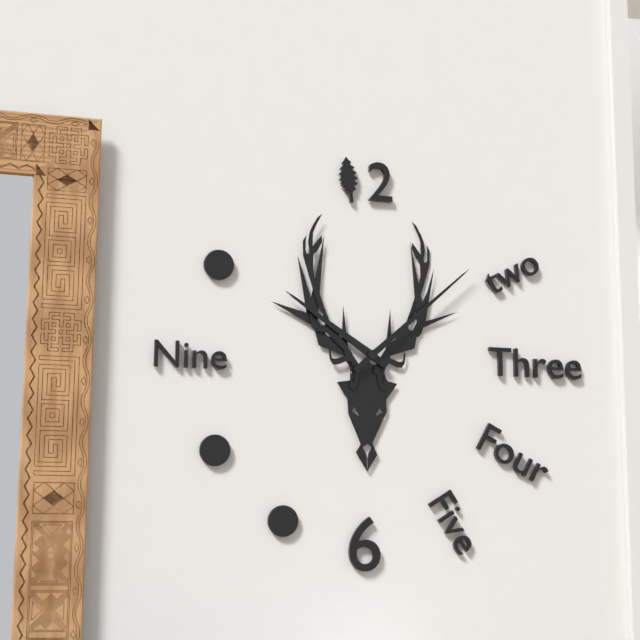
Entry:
10:08
